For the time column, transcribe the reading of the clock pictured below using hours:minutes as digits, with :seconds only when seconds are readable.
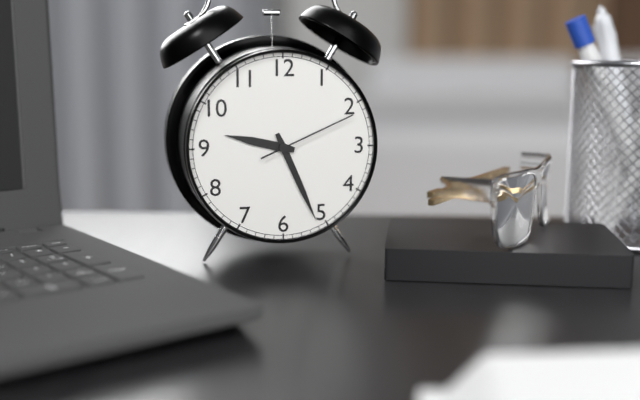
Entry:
9:26:11
